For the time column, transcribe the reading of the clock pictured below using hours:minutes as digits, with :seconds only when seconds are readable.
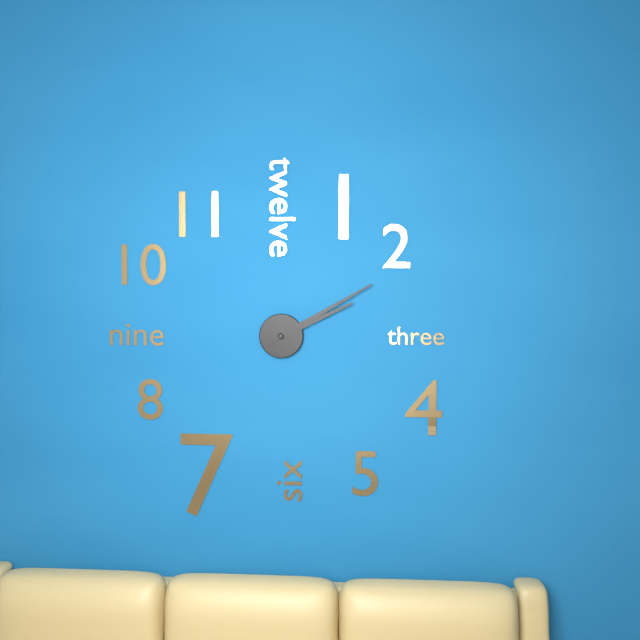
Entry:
2:10
